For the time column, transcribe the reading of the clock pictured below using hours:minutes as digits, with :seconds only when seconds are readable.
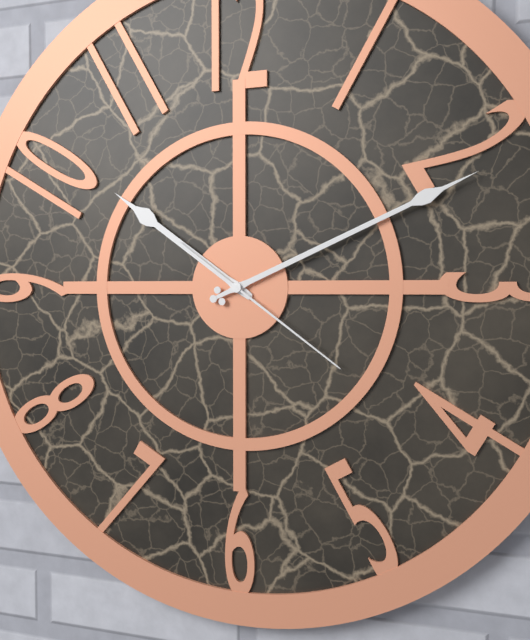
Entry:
10:11:21
